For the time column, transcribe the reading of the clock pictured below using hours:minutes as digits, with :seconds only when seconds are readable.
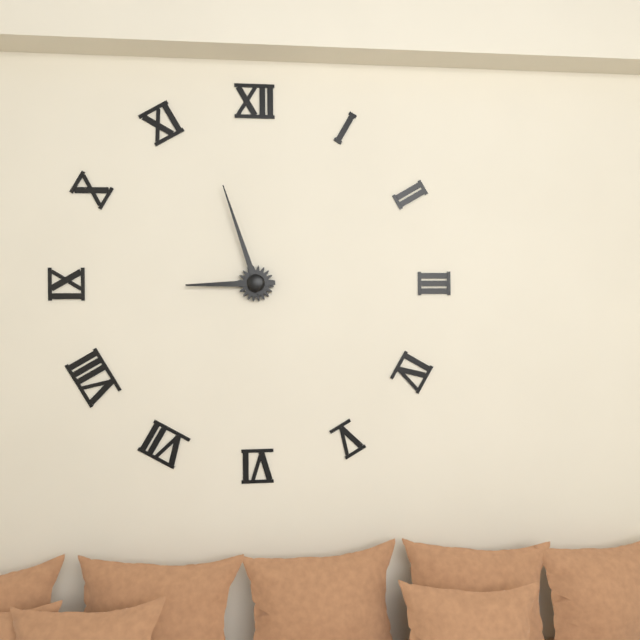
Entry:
8:57
